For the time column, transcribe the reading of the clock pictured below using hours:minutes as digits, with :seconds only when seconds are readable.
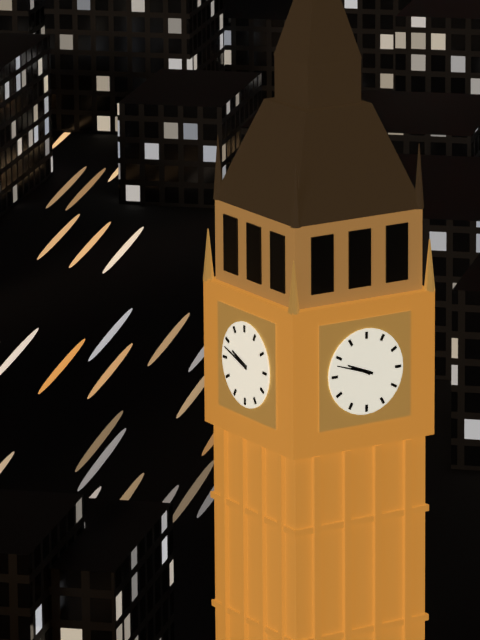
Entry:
9:48
